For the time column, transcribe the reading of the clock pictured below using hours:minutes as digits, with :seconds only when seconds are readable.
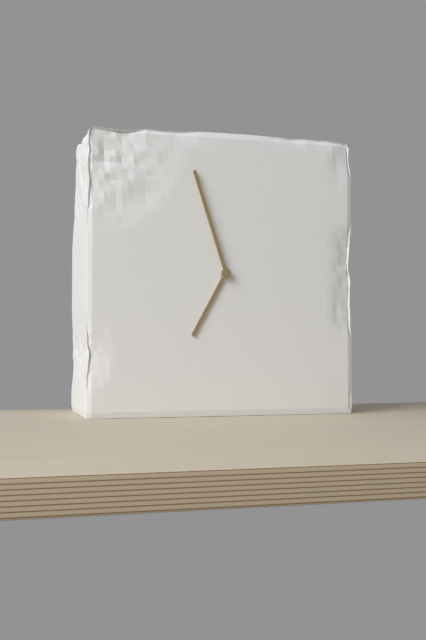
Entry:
6:57
